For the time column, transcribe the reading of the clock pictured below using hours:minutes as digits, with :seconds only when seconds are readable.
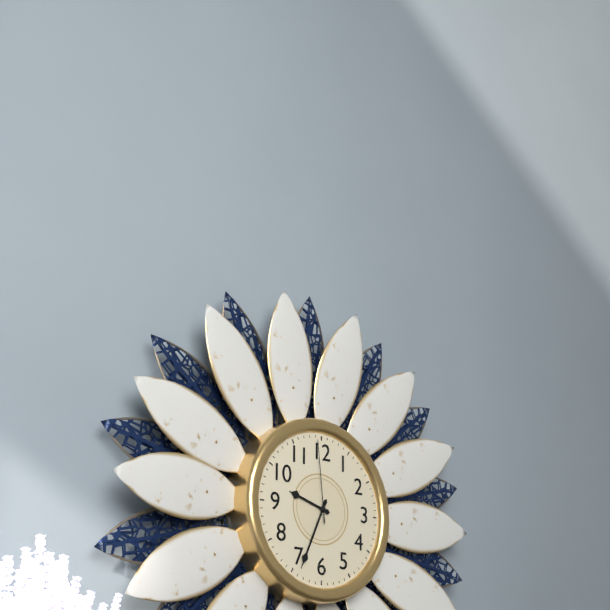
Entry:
9:34:59
